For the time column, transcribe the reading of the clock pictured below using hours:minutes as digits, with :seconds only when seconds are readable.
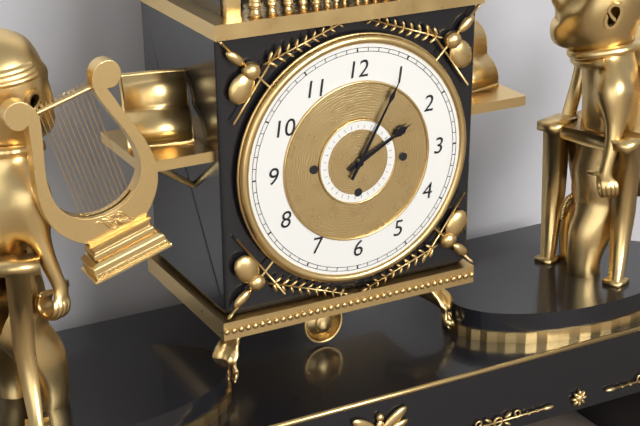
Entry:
2:05
